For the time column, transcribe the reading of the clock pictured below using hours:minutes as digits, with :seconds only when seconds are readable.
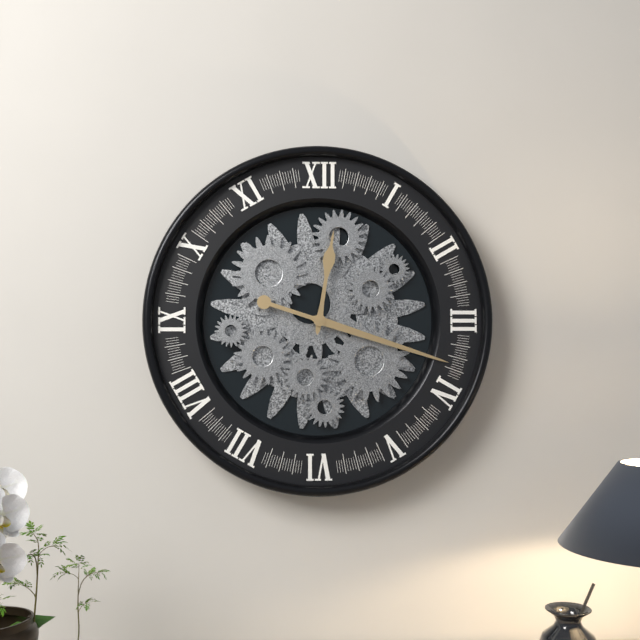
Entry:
12:18
